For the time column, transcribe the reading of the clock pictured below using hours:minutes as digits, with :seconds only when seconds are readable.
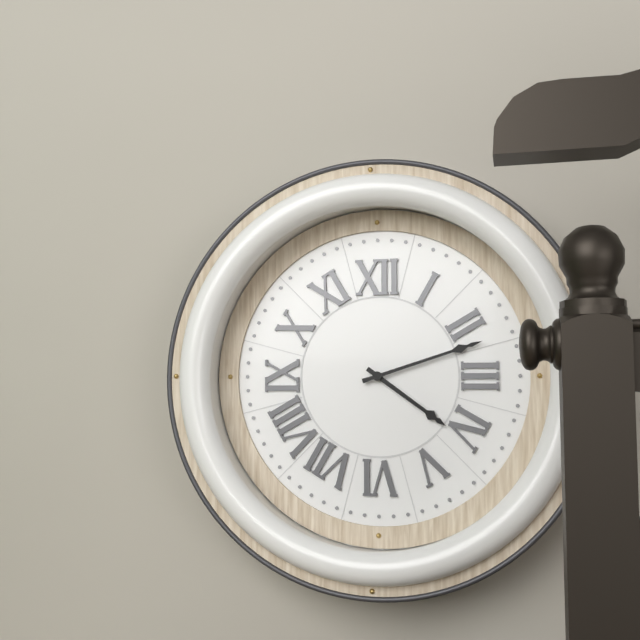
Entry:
4:12
